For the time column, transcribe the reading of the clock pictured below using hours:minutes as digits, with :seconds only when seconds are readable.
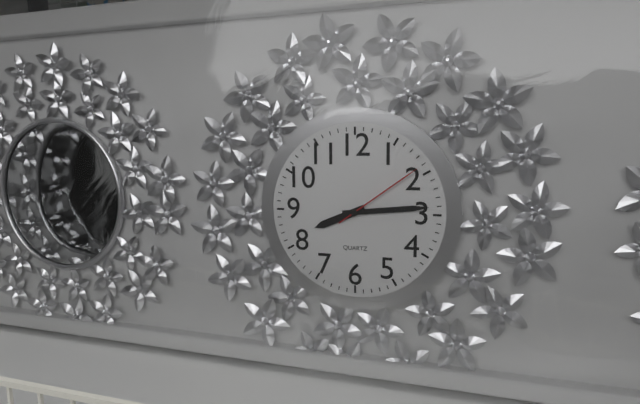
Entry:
8:14:09
